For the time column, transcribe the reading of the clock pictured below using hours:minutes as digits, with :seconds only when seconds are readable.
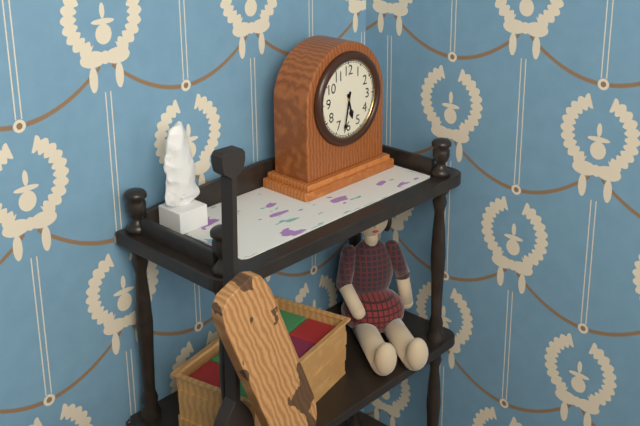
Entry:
5:32
